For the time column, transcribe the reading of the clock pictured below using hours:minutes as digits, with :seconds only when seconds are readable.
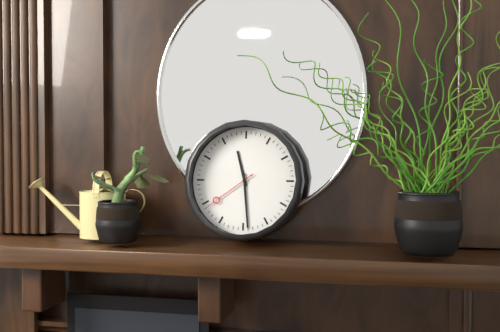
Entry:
11:29:39
